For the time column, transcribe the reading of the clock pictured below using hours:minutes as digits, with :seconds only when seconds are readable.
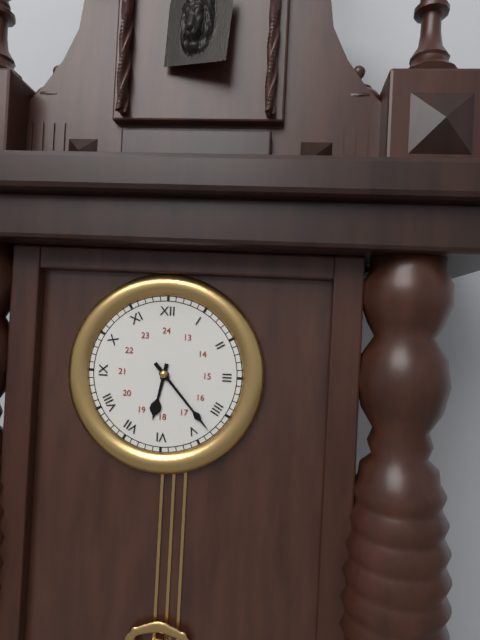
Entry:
6:23
